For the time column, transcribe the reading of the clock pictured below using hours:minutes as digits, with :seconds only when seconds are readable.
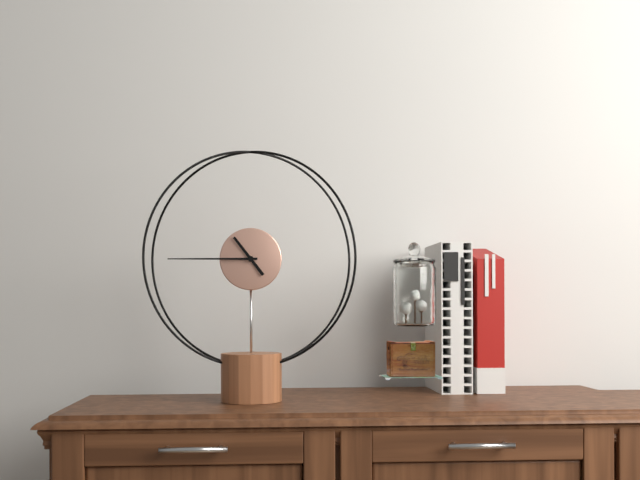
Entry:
10:45
